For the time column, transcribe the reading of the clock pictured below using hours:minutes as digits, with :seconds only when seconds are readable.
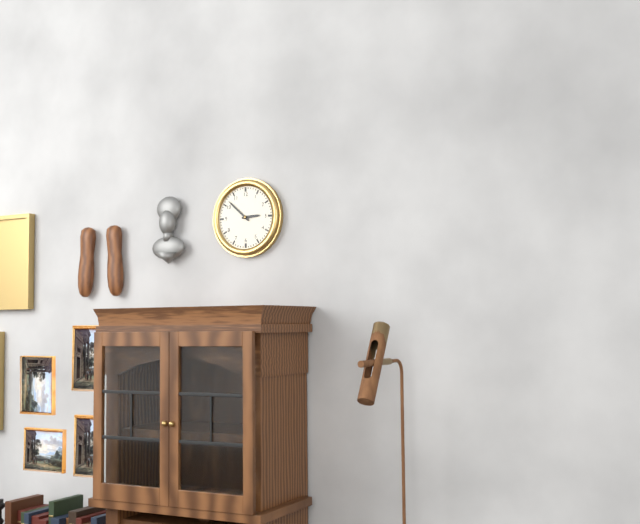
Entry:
2:52
